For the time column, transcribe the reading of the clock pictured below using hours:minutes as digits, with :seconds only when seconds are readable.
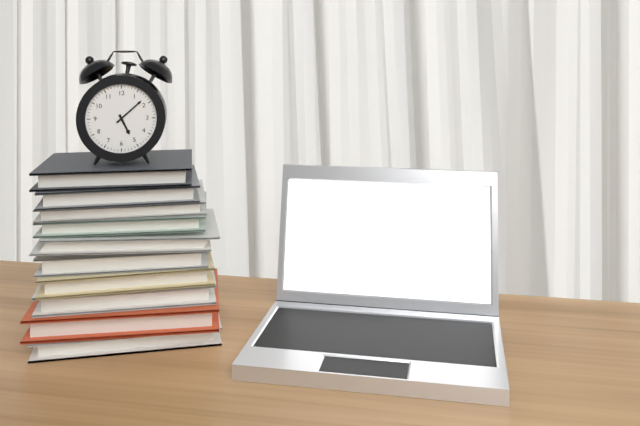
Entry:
5:08
